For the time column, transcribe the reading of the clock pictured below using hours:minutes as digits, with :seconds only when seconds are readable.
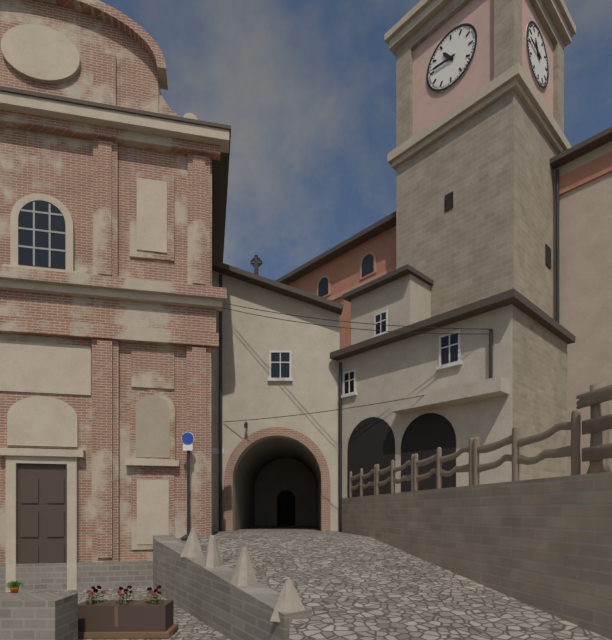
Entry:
10:46
